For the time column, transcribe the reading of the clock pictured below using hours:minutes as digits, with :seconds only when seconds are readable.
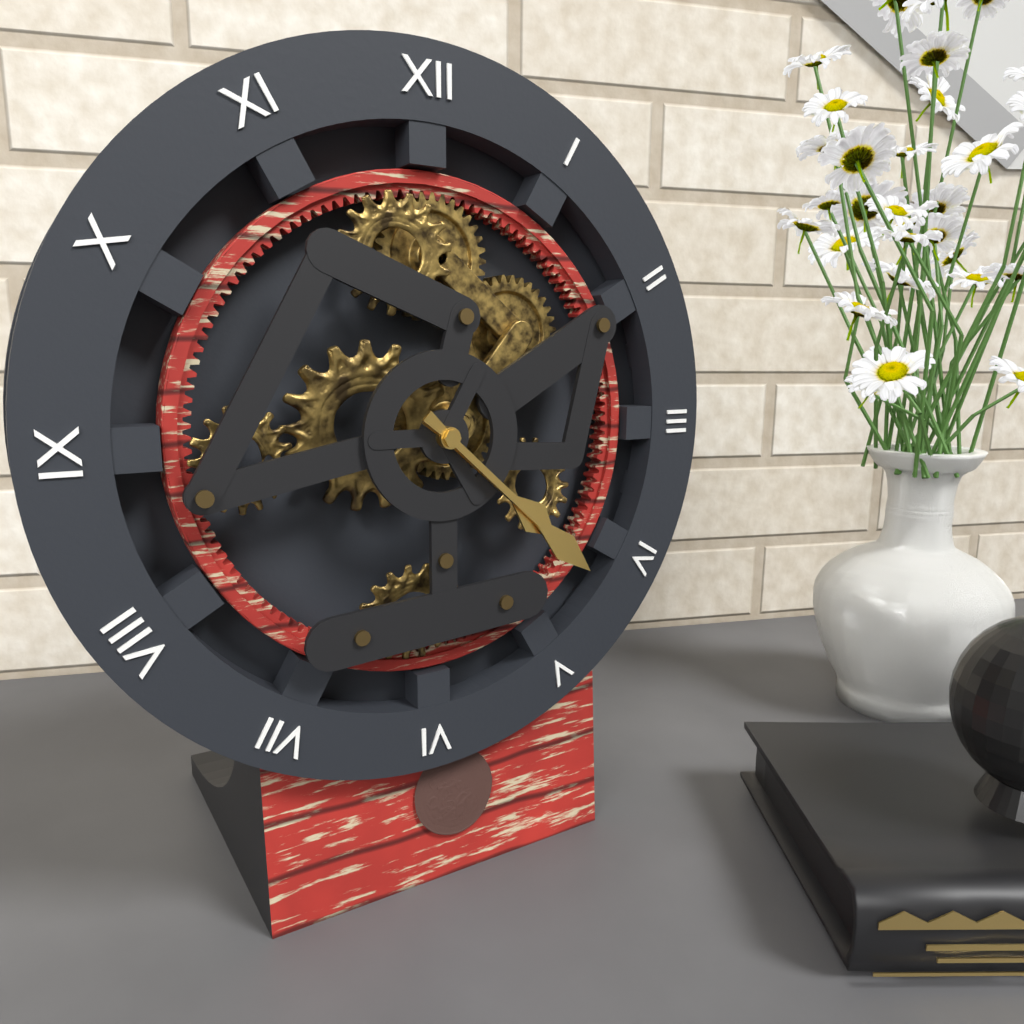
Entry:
4:22
